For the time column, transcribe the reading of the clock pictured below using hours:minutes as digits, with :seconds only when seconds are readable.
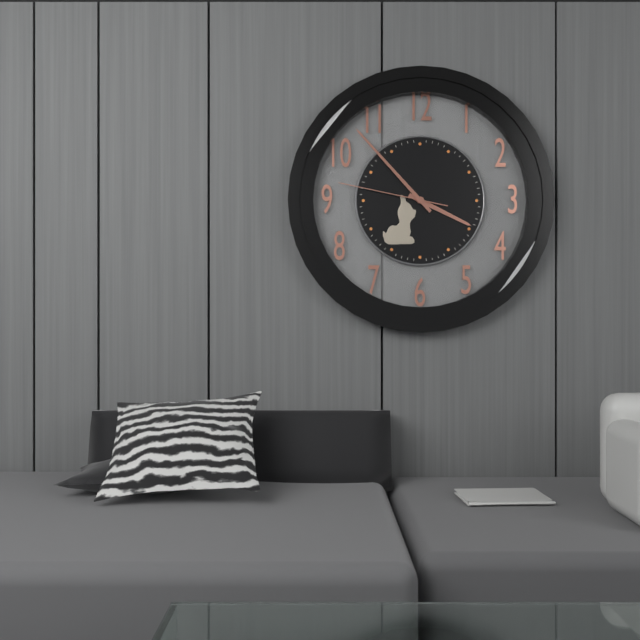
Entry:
3:53:47
